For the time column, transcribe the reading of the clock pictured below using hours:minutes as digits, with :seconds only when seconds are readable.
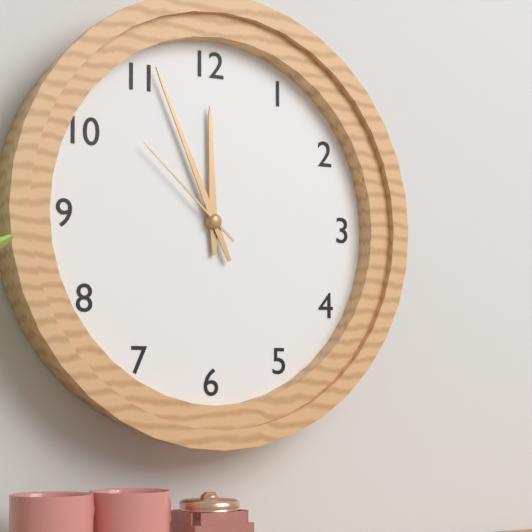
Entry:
11:56:52
